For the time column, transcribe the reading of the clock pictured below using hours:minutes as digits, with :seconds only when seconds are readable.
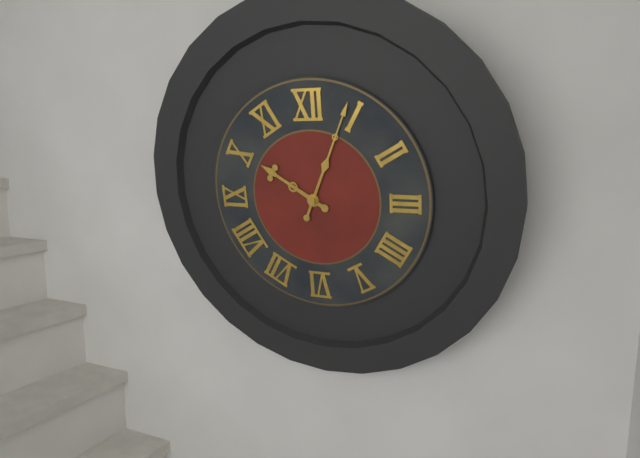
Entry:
10:04
